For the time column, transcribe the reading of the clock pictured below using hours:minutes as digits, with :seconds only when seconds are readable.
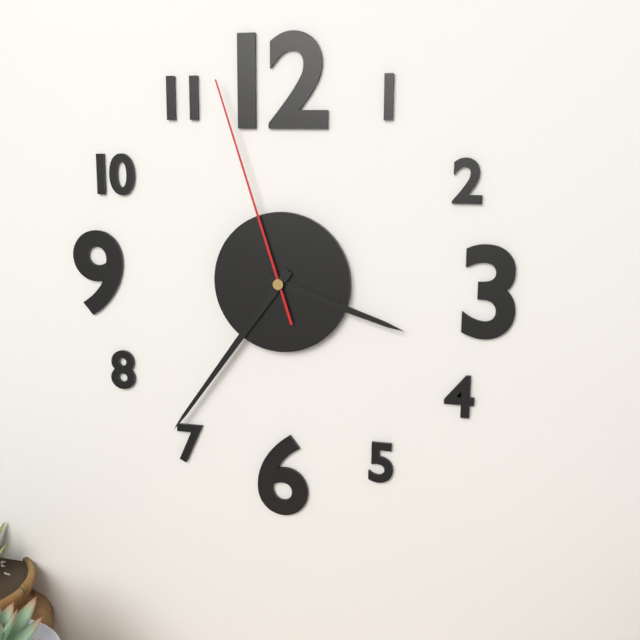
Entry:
3:36:57
